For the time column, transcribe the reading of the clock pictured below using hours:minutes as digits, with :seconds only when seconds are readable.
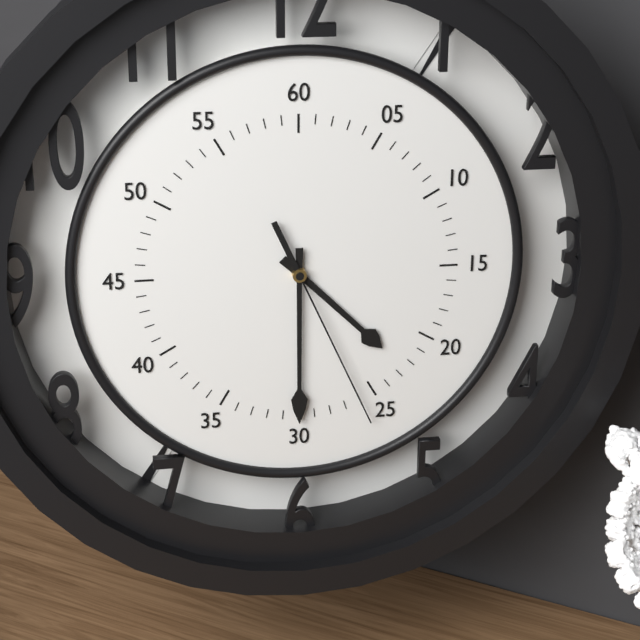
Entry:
4:30:26
